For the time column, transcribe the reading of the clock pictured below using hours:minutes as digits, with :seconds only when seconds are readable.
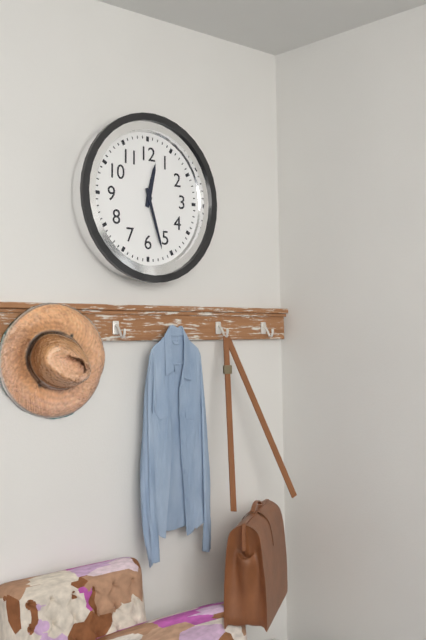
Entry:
12:27
